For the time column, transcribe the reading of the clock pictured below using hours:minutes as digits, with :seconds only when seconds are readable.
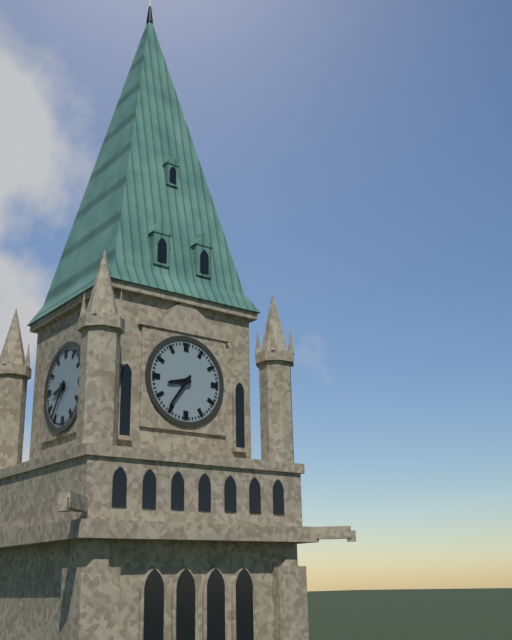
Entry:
8:36
